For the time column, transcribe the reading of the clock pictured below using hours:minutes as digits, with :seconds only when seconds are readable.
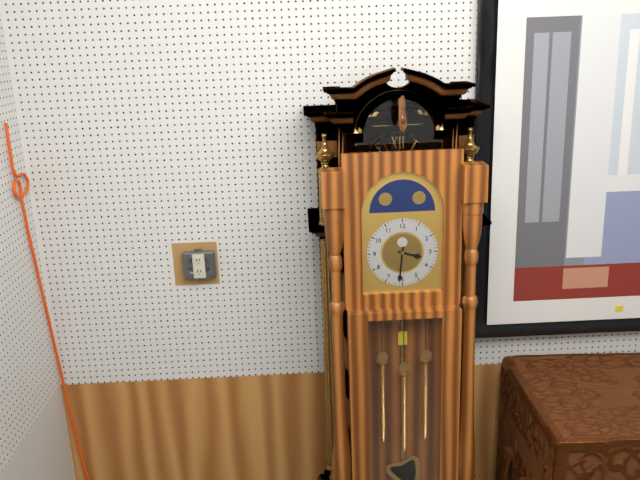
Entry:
3:31
